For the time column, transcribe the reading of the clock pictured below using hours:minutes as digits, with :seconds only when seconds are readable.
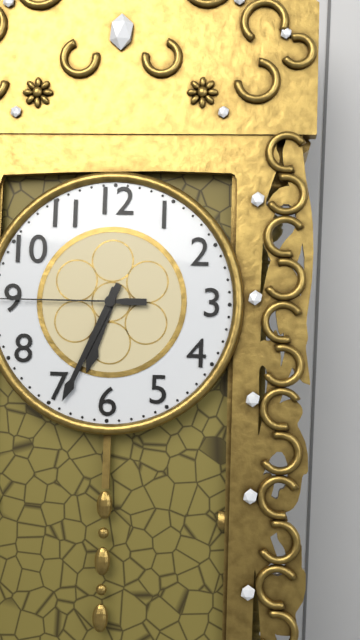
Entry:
6:34
